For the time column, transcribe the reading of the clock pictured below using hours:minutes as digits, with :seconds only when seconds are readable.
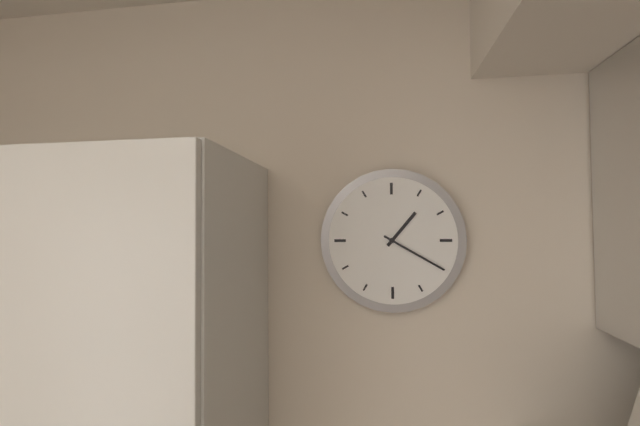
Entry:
1:20
